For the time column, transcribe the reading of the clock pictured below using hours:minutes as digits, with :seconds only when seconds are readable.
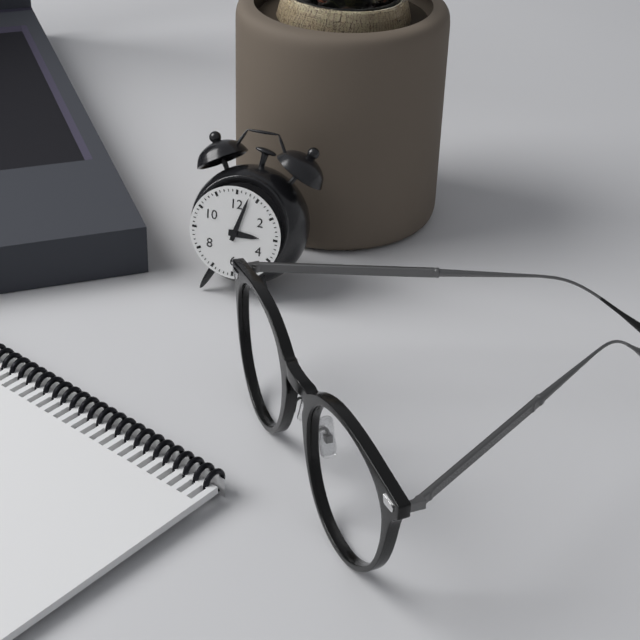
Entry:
3:03
